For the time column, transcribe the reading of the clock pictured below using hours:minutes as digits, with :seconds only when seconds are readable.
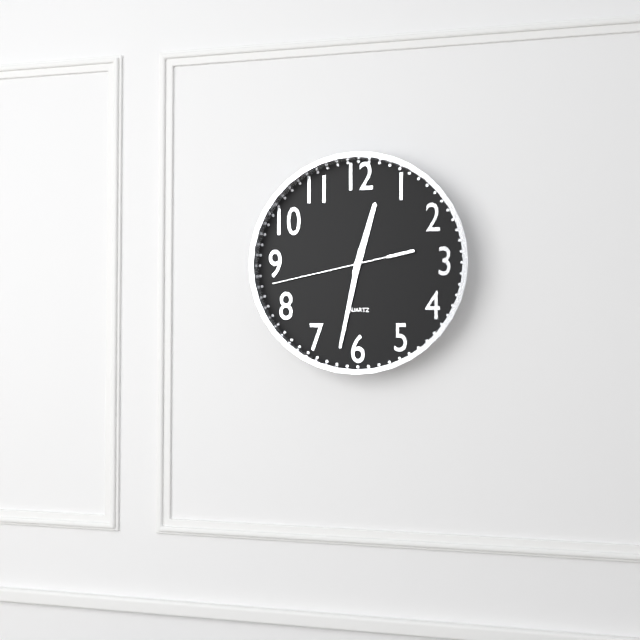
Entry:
12:32:43
